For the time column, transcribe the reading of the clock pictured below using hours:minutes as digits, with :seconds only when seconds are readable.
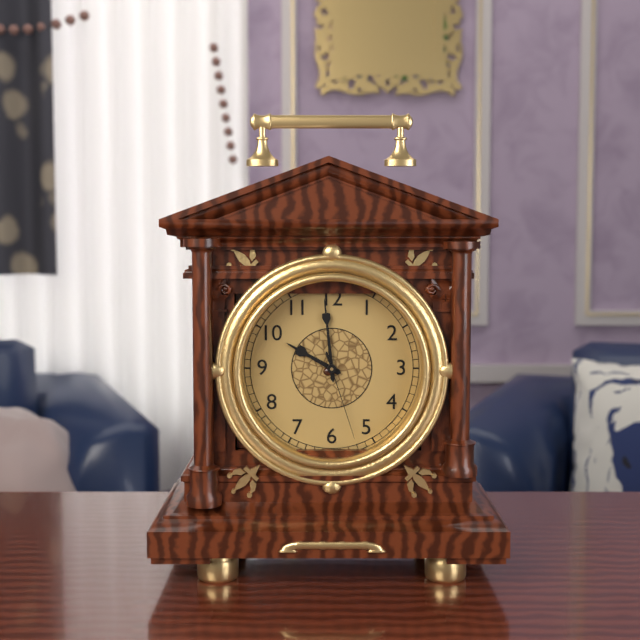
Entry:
9:59:27
